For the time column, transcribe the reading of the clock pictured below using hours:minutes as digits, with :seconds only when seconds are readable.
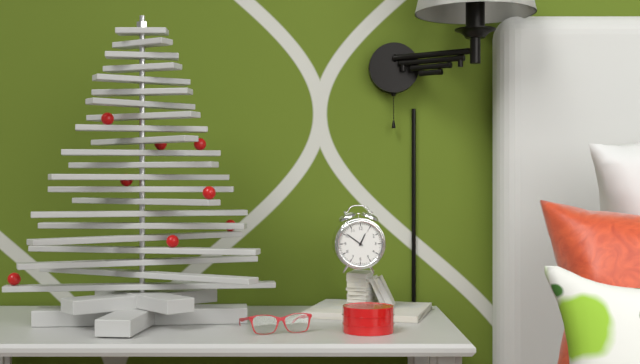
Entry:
12:51
